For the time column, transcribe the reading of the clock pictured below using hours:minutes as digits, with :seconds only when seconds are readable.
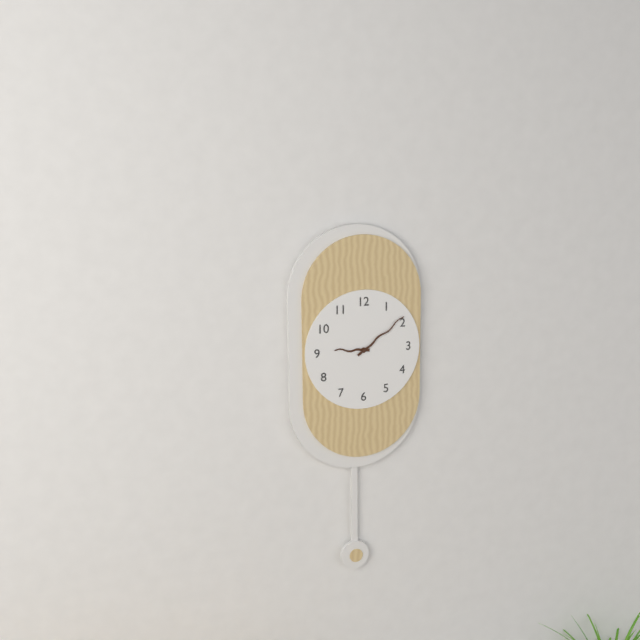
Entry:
9:09
